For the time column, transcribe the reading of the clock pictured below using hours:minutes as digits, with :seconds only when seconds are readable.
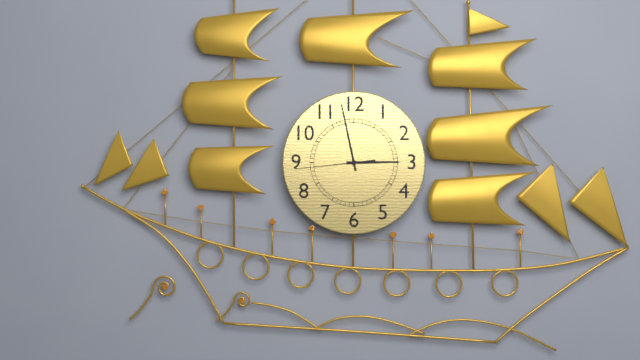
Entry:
2:58:44
